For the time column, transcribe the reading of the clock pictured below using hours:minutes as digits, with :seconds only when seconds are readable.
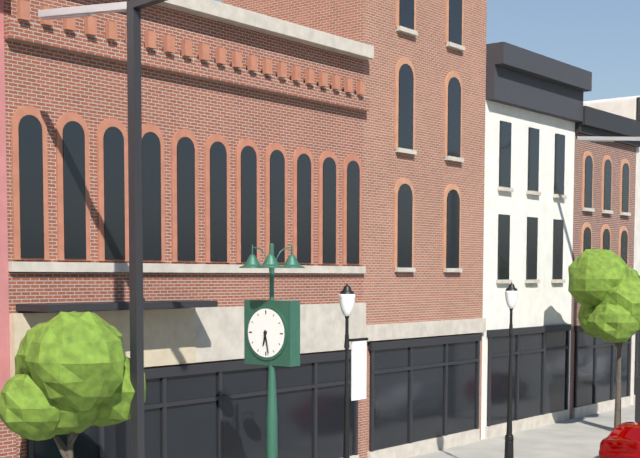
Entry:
6:28
